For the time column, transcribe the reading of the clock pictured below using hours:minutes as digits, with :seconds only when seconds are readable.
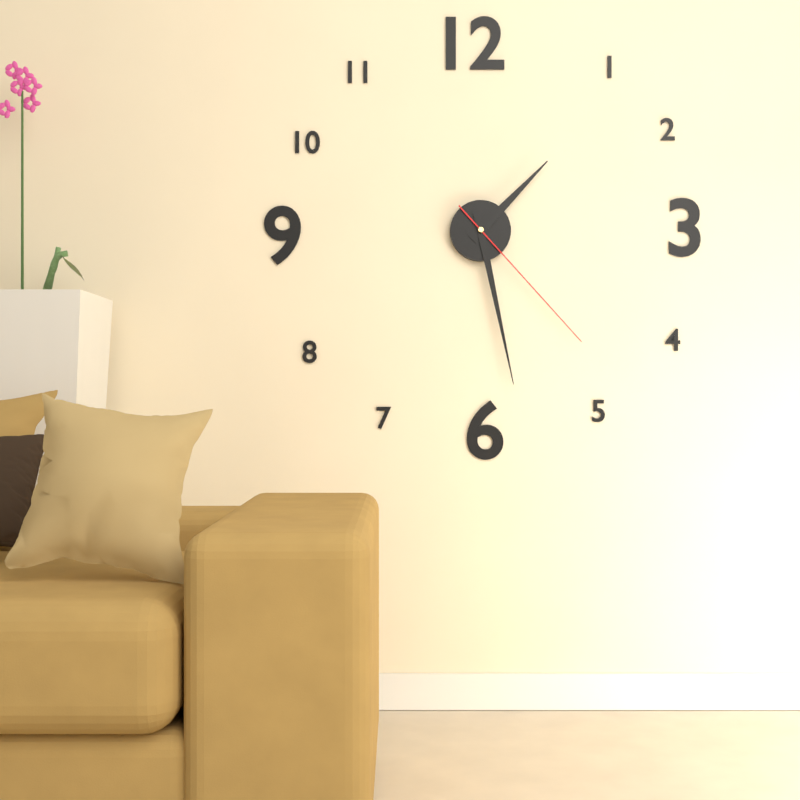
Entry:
1:28:23
